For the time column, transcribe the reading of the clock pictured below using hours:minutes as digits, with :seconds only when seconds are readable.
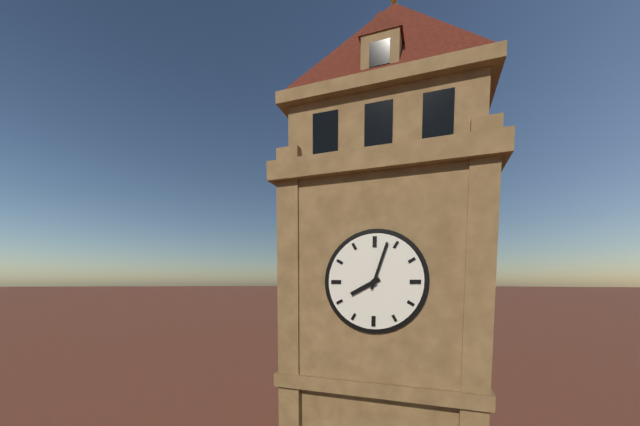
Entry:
8:03
